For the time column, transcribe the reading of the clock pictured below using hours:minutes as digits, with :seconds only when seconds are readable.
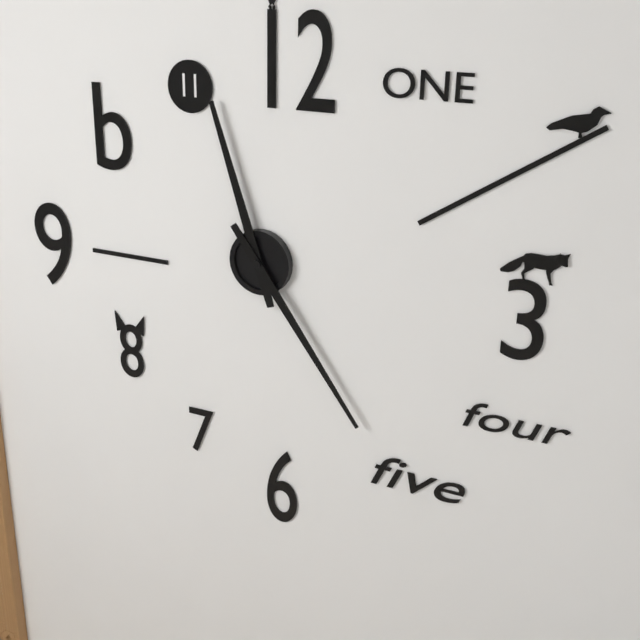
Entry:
11:24
